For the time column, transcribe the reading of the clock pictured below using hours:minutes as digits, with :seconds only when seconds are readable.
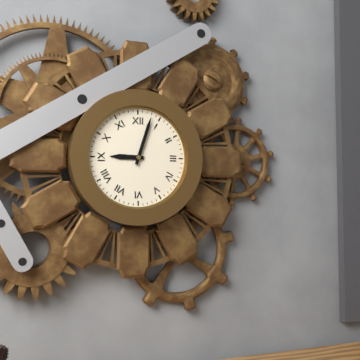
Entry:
9:03
